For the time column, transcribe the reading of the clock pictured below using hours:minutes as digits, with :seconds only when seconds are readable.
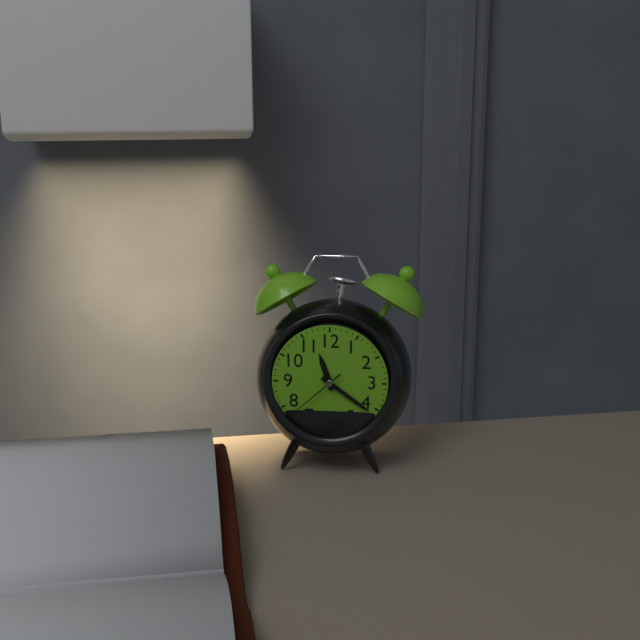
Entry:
11:21:38
